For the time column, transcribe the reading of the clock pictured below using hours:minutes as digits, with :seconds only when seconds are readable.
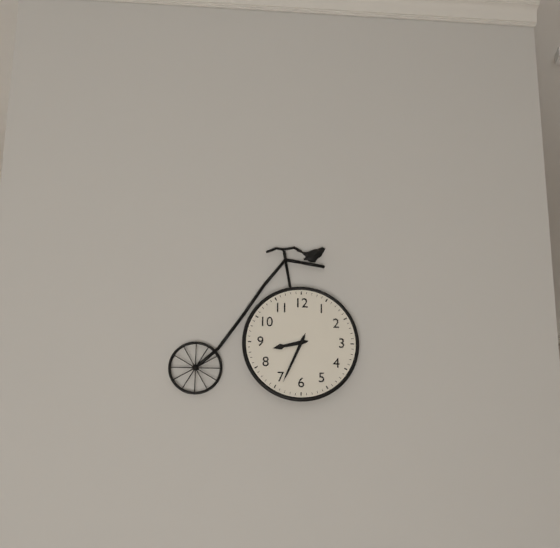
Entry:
8:34
